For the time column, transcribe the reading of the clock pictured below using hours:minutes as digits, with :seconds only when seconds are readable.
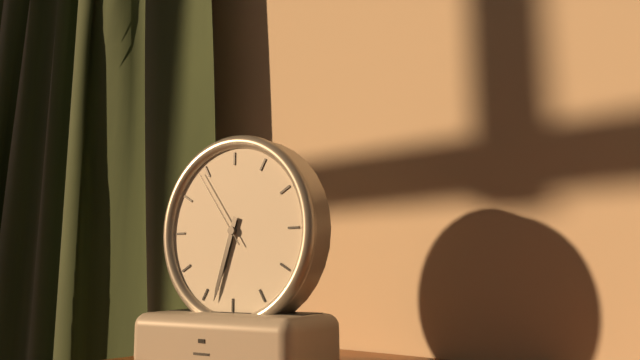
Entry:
6:33:54
